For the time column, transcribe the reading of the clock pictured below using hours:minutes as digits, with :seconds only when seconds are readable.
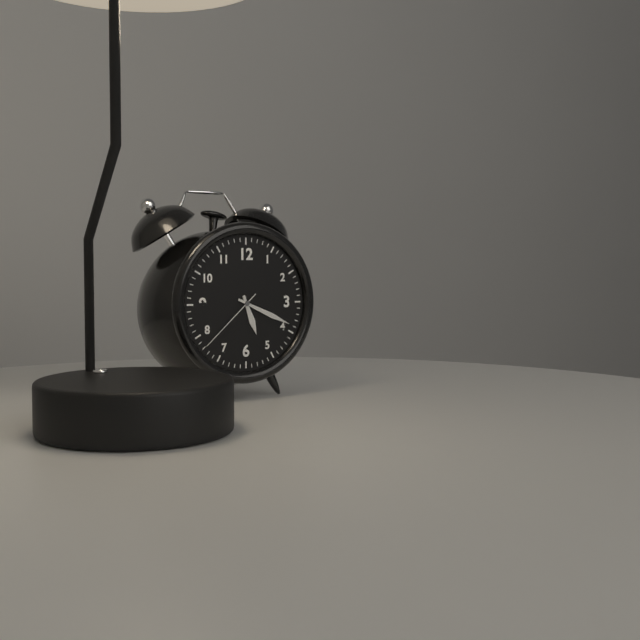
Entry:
5:19:38
